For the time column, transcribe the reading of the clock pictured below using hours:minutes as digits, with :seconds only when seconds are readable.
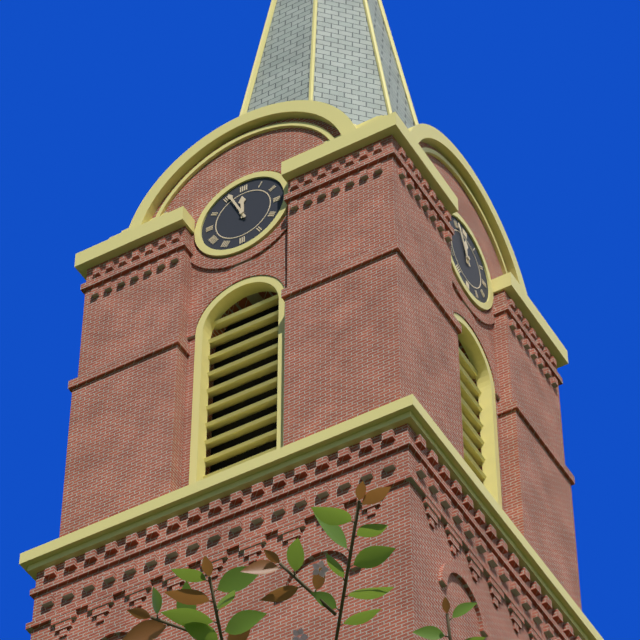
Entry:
11:56
